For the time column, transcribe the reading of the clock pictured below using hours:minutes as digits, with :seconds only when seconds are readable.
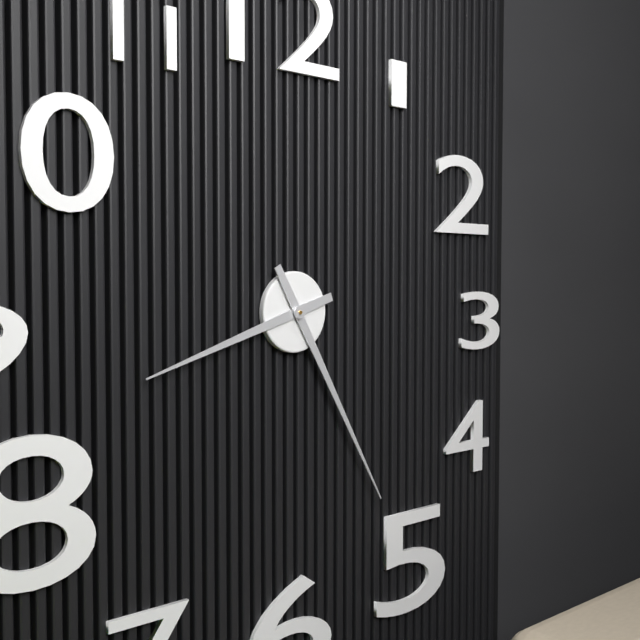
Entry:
8:25
